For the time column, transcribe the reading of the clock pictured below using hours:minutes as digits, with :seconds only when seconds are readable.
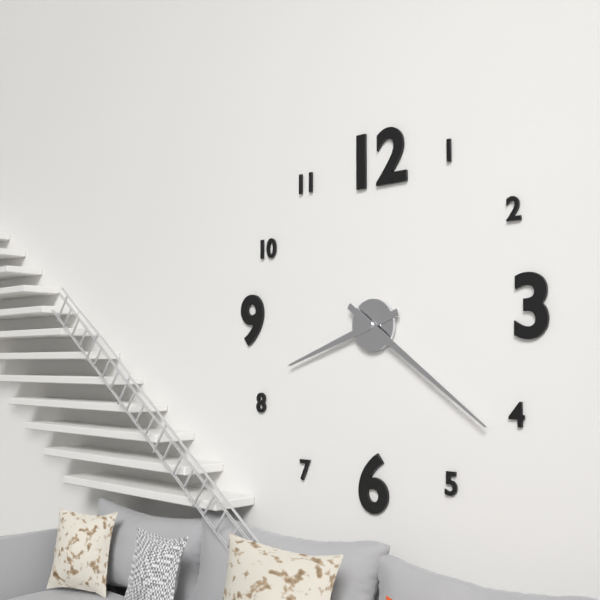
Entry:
8:21
